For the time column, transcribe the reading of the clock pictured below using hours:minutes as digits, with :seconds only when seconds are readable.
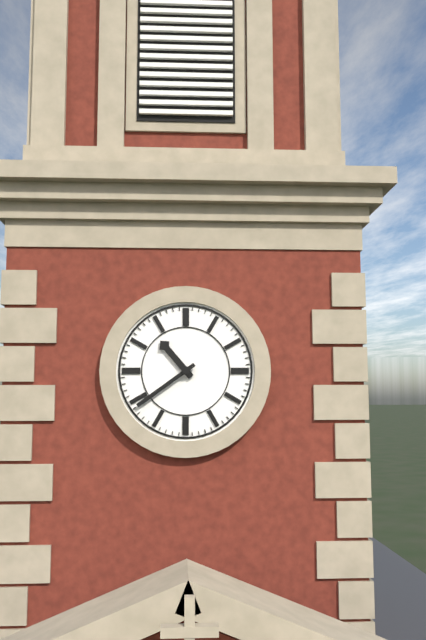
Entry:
10:39
